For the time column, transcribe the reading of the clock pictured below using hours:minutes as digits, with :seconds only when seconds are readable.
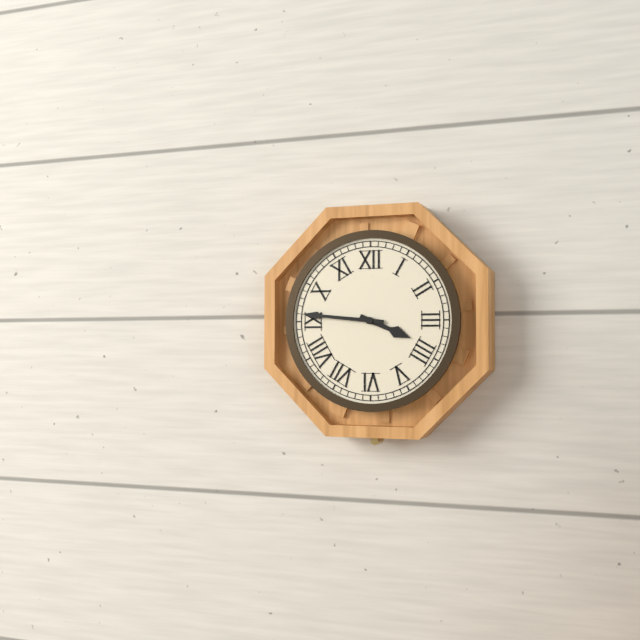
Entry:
3:46
